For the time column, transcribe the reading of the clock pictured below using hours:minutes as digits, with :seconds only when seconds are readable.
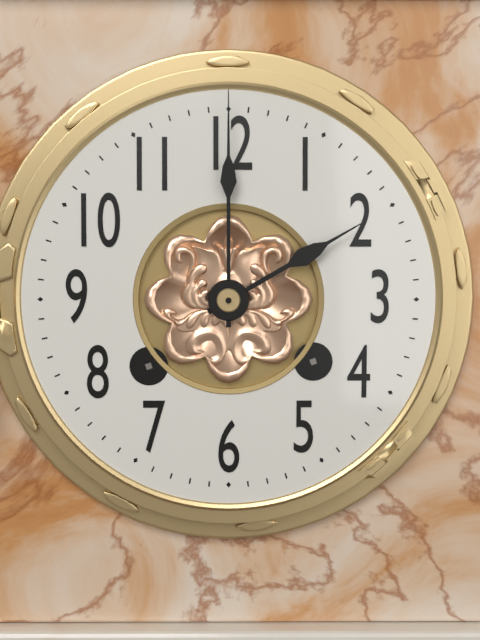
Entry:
2:00
